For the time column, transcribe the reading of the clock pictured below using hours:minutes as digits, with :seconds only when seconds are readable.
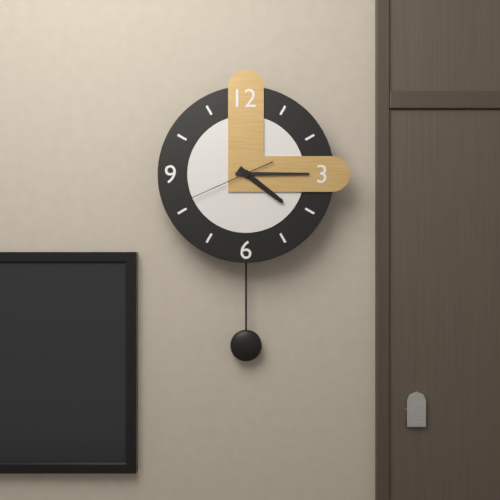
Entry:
4:15:41
